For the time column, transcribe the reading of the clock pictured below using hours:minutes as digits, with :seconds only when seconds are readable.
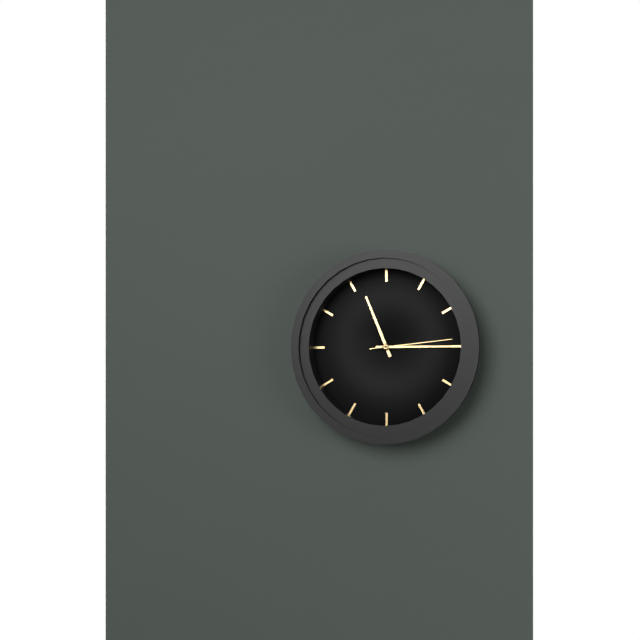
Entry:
11:15:14
